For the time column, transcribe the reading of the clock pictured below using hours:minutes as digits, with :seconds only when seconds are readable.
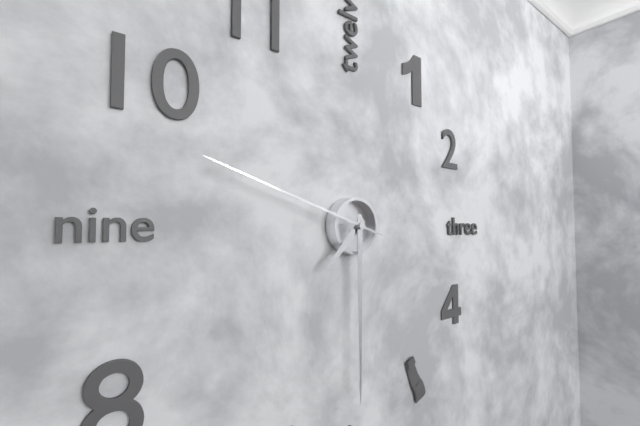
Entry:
7:30:48
